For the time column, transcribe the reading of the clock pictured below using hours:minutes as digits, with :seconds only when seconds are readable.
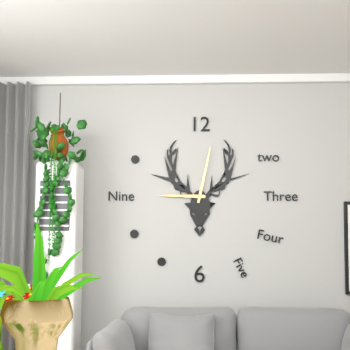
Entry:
9:02
